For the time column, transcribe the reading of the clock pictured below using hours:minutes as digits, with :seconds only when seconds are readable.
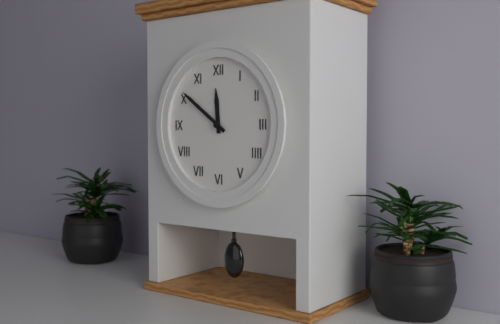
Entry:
11:51
